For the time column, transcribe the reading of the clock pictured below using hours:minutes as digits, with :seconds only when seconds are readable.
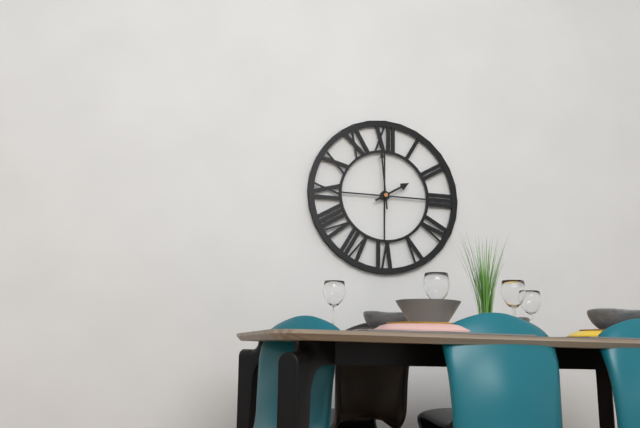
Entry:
1:59
